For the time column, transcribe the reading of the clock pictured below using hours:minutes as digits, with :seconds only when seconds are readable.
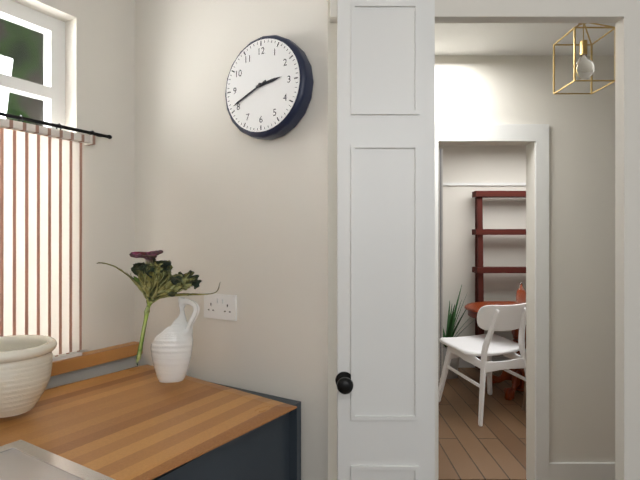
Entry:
2:41
